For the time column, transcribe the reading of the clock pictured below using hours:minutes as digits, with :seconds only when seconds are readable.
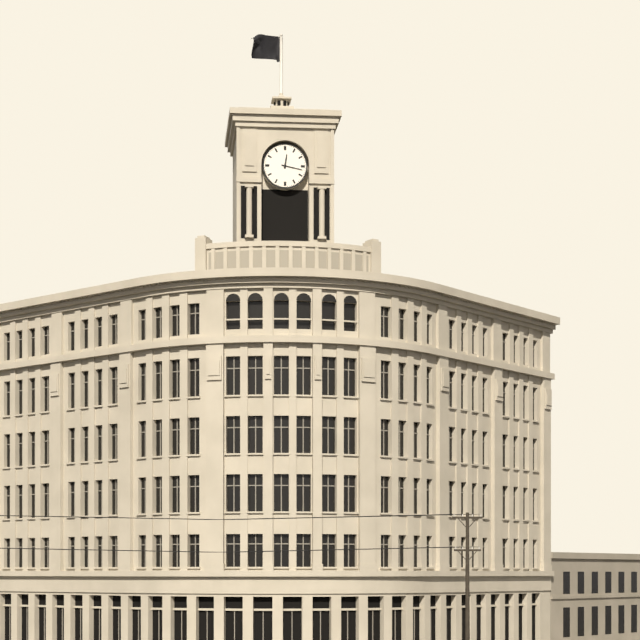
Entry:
12:17
